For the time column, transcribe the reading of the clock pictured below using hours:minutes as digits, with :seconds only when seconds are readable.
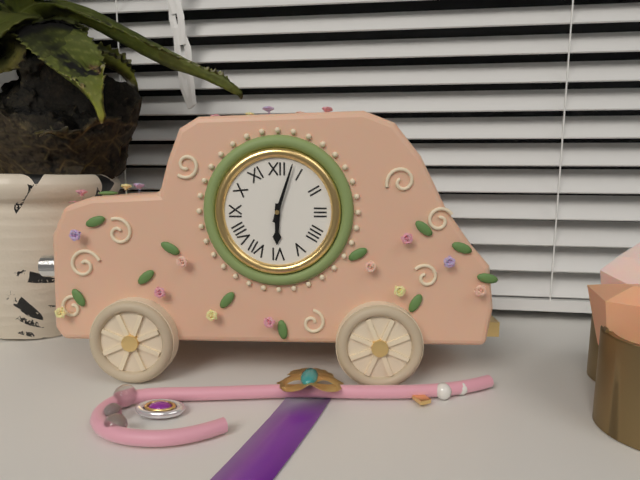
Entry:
6:03
